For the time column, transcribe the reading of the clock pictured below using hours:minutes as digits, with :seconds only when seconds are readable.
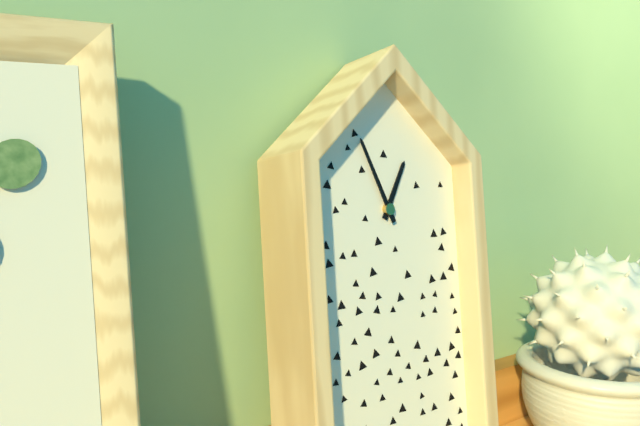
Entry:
12:56
